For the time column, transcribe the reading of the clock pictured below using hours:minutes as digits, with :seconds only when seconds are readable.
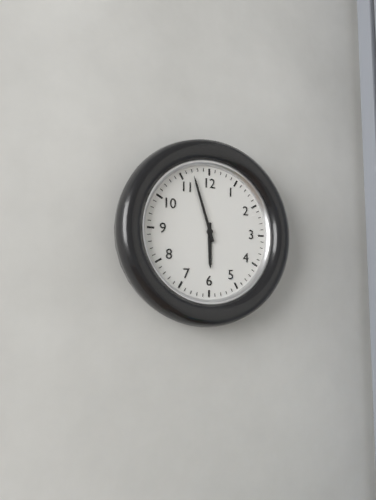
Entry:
5:57
